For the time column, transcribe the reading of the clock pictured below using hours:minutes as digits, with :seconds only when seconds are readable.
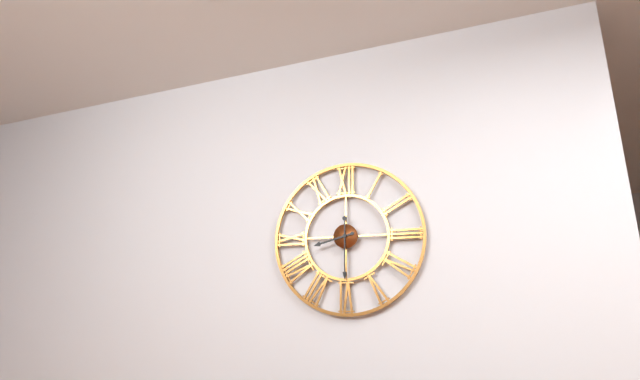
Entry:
8:30
